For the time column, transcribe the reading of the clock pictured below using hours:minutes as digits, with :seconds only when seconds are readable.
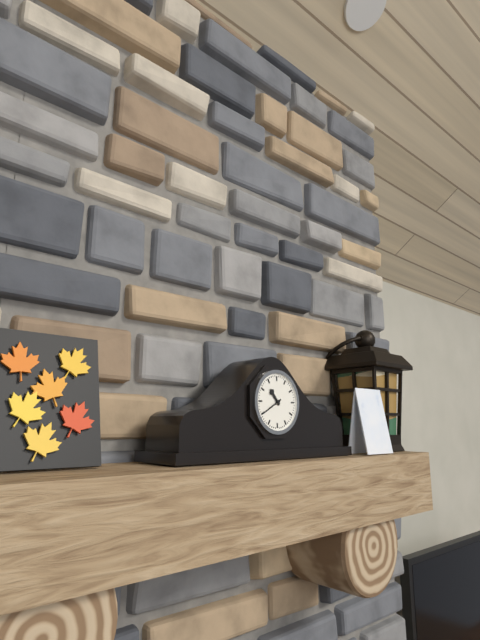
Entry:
10:40
